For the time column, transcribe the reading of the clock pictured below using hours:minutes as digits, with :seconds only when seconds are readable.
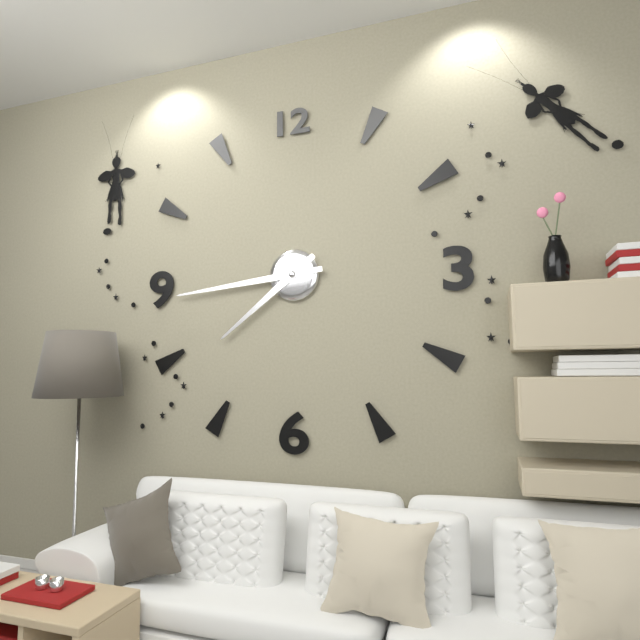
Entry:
7:44
